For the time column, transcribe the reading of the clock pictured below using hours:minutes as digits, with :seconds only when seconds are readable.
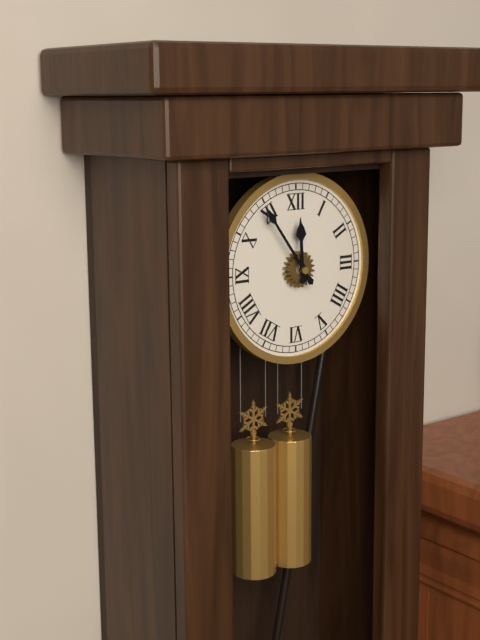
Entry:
11:54
